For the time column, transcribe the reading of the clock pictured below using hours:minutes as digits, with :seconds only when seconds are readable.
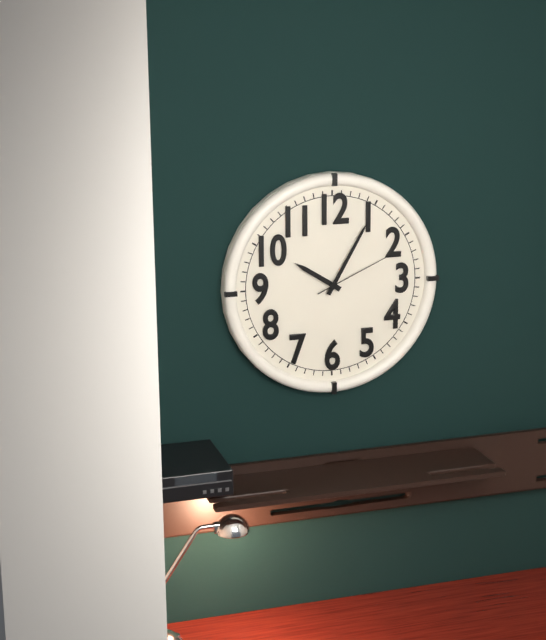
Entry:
10:05:11
